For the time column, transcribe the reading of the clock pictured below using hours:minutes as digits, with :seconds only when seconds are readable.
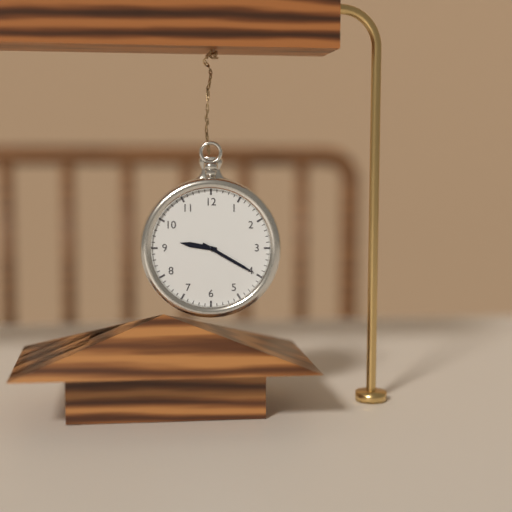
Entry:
9:20
